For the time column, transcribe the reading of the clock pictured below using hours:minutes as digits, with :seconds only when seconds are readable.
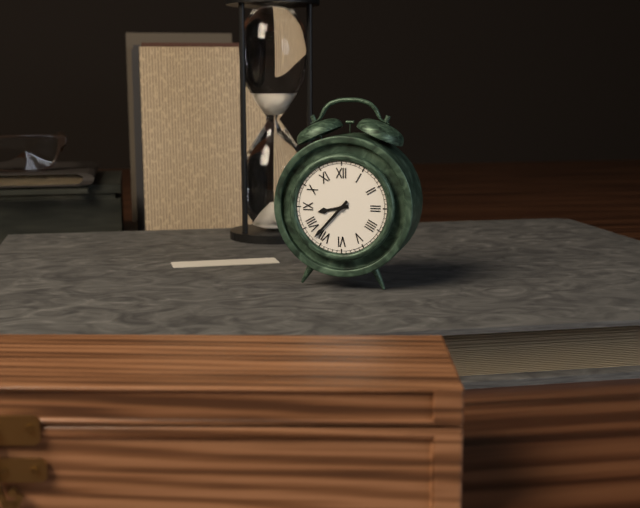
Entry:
8:37
